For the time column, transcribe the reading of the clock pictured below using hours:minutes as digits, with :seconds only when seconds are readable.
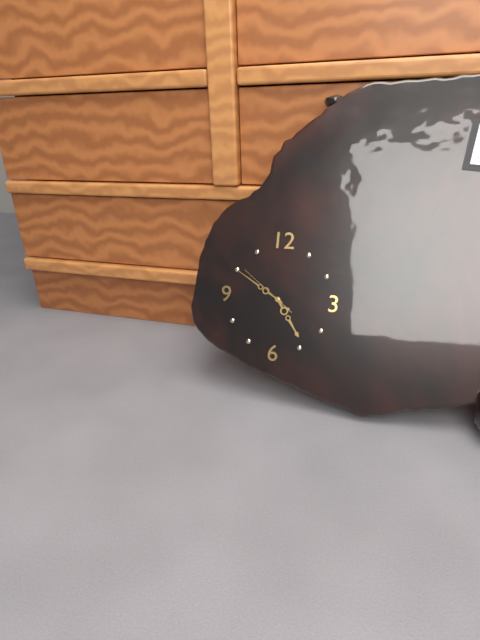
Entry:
4:50:51
